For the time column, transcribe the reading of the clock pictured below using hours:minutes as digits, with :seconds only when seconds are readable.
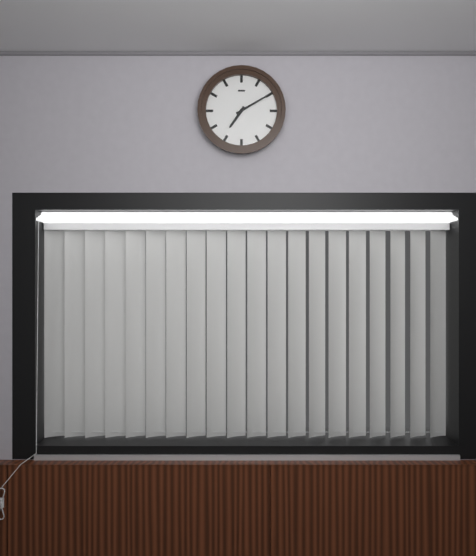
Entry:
7:10
